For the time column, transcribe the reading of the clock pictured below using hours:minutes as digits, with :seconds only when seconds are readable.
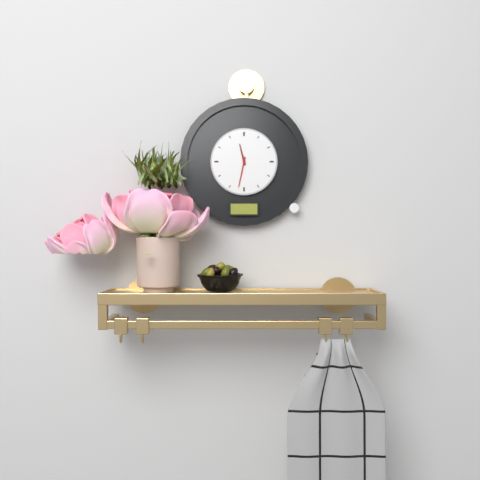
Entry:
11:32
